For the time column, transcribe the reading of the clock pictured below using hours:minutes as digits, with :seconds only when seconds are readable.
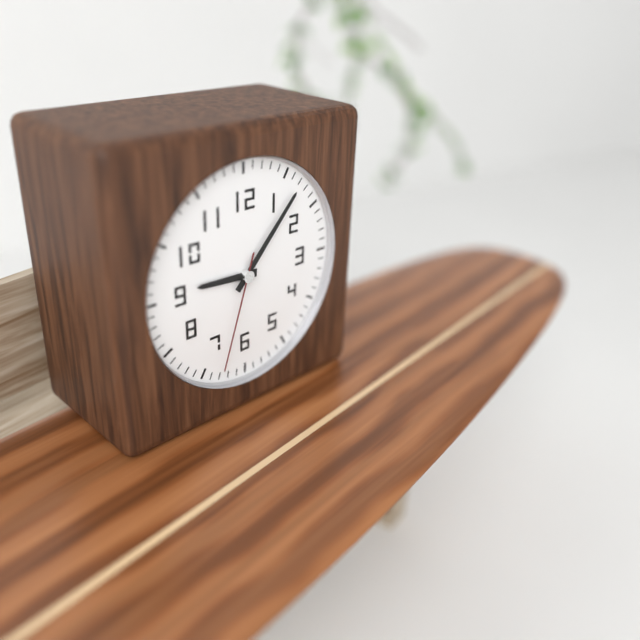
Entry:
9:07:33
